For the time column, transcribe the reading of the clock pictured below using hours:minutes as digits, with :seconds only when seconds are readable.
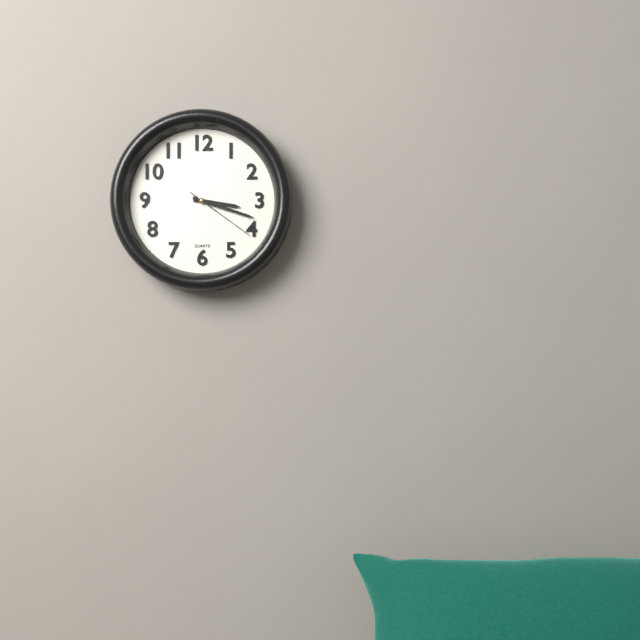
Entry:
3:18:21
